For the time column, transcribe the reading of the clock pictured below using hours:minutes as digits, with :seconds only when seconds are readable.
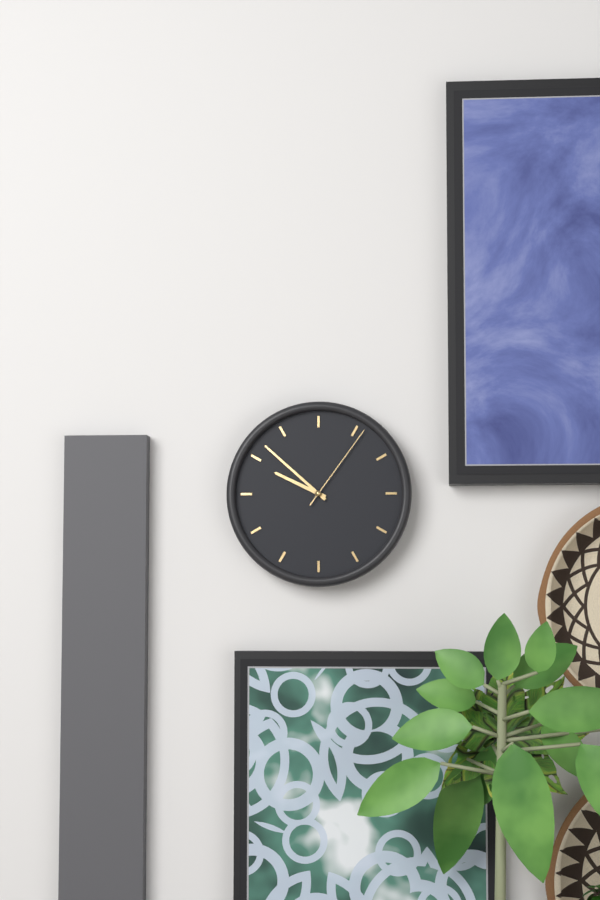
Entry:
9:52:06
